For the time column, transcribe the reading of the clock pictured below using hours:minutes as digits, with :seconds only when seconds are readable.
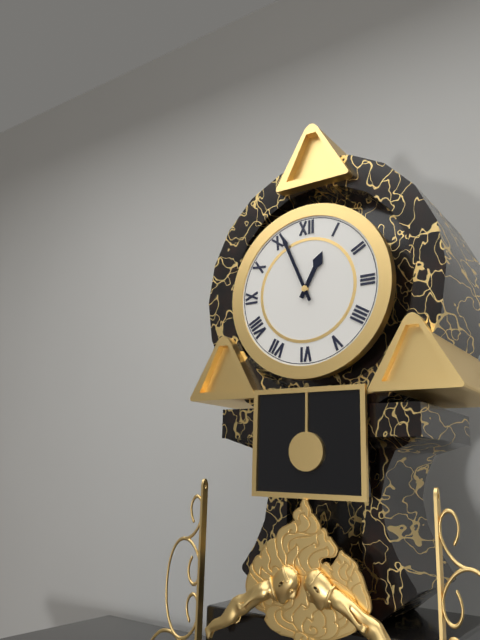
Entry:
12:56
